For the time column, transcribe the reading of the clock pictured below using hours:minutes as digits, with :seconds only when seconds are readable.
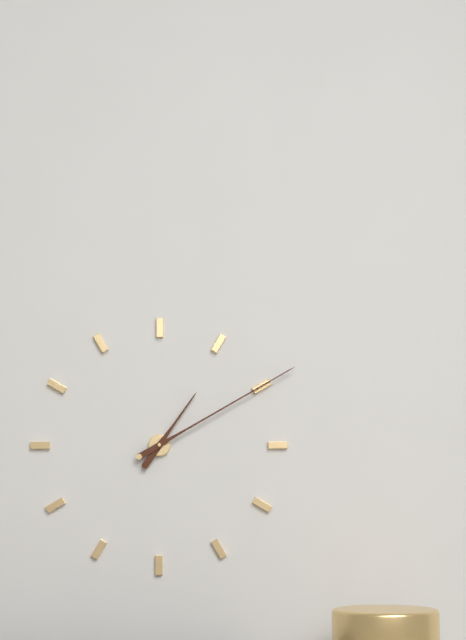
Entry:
1:10
